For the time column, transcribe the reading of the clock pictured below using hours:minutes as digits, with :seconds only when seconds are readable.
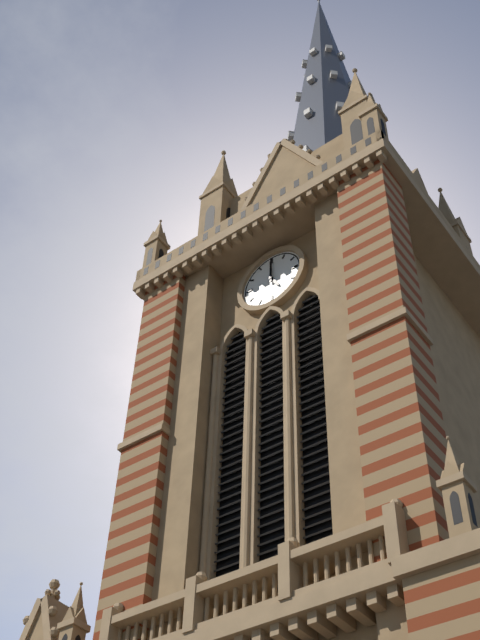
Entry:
5:00
